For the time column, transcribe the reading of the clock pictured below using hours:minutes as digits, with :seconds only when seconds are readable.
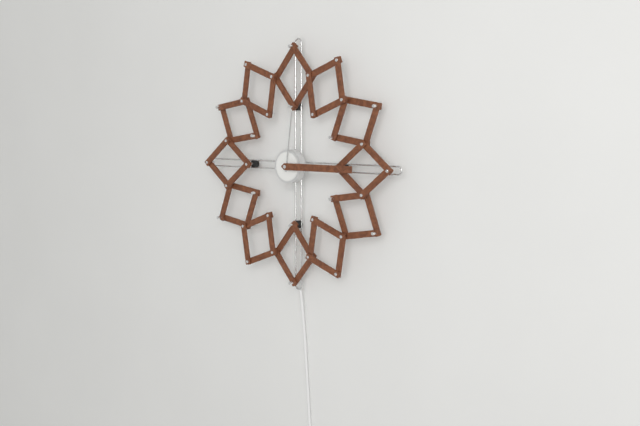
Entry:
12:15
